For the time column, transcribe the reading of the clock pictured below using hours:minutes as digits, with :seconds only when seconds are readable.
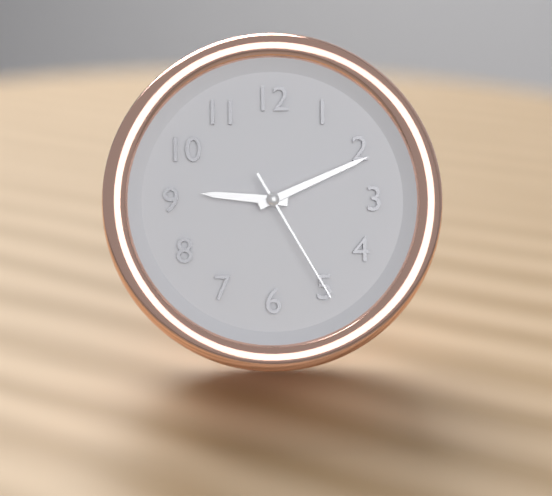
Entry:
9:11:25
